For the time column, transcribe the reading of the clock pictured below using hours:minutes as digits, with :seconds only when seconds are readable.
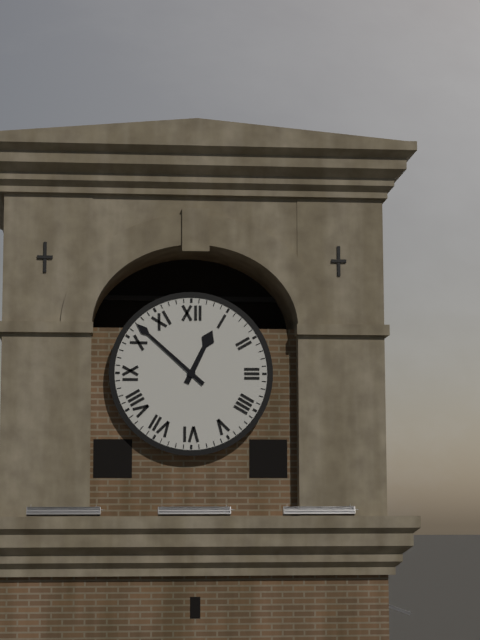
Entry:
12:52
